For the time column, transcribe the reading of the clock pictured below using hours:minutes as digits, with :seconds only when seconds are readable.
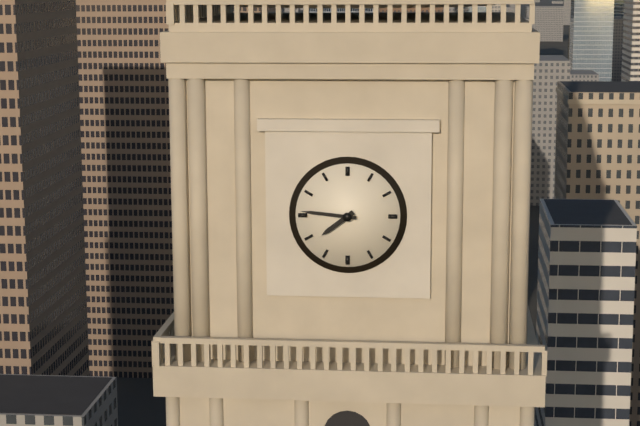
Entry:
7:46
